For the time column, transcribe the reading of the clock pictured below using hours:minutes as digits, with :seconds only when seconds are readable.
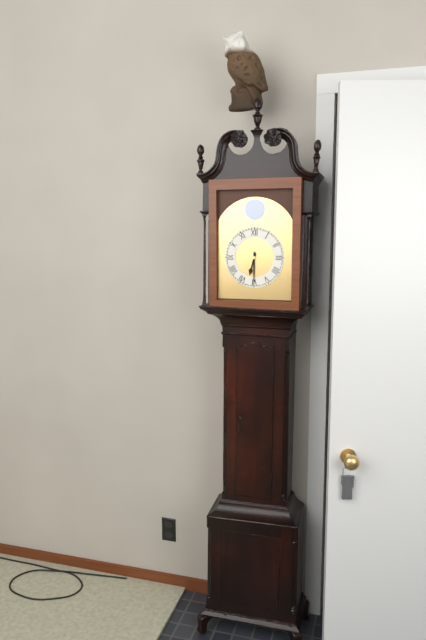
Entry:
6:30
